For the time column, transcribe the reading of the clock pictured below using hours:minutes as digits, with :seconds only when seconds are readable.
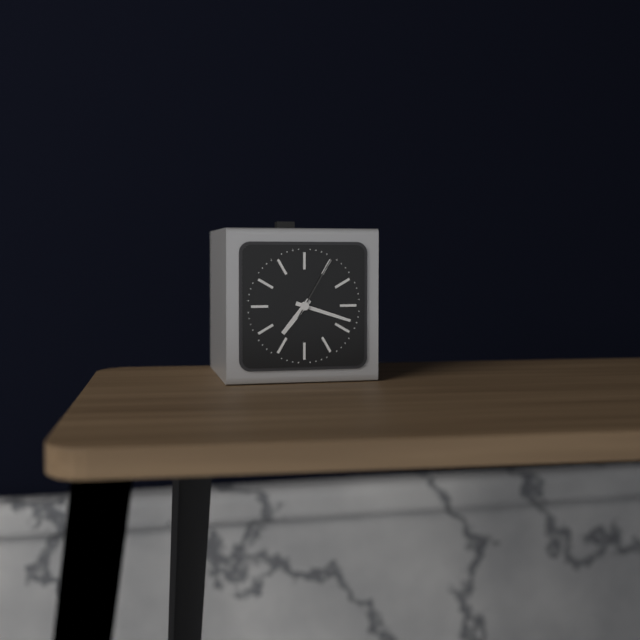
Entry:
7:18:05
